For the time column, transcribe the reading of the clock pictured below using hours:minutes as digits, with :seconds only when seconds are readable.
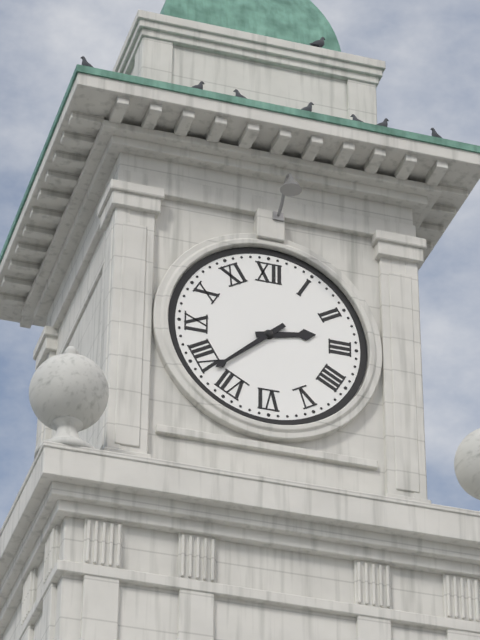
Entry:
2:38
